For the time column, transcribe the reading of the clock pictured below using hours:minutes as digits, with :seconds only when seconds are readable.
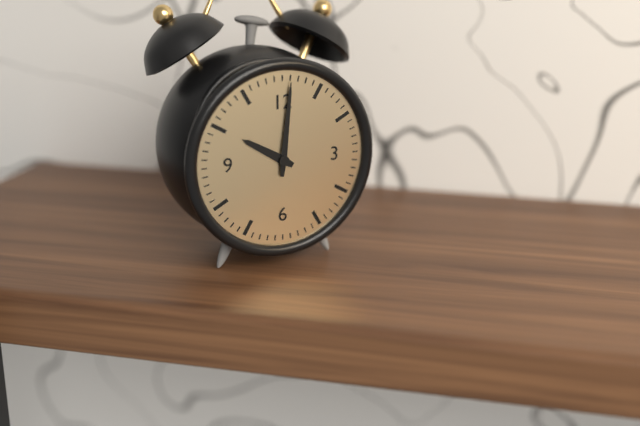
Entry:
10:01
